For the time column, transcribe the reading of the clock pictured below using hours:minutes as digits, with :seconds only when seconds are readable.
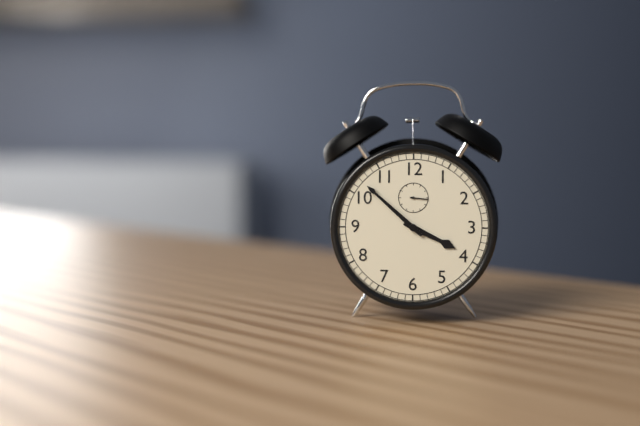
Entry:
3:52
